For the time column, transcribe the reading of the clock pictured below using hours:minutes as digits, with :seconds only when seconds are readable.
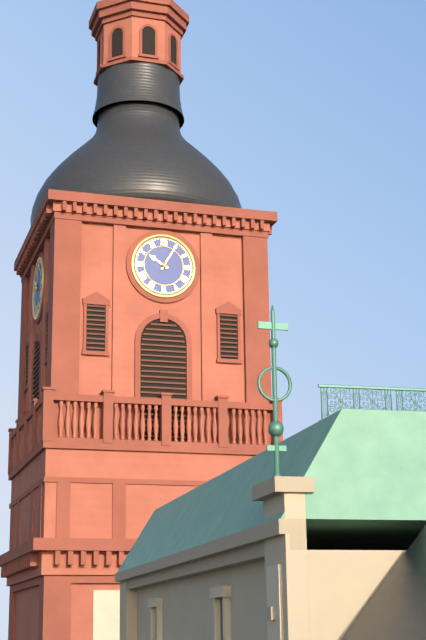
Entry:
10:05
